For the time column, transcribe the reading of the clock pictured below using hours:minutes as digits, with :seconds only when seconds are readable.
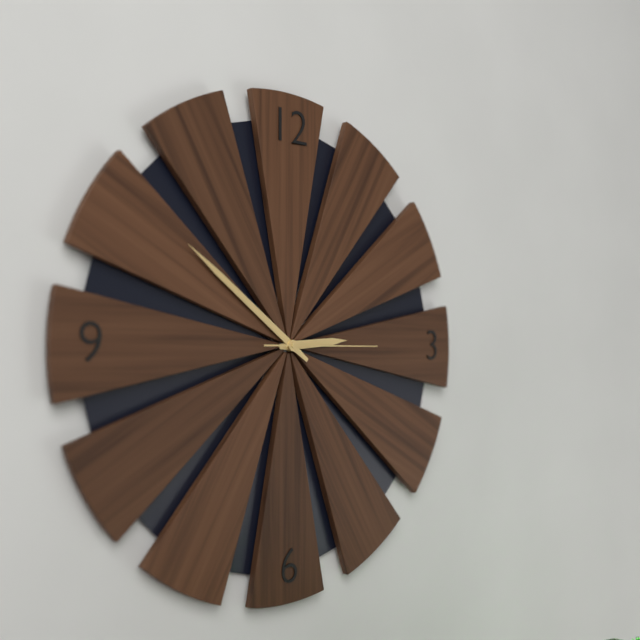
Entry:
2:51:15
